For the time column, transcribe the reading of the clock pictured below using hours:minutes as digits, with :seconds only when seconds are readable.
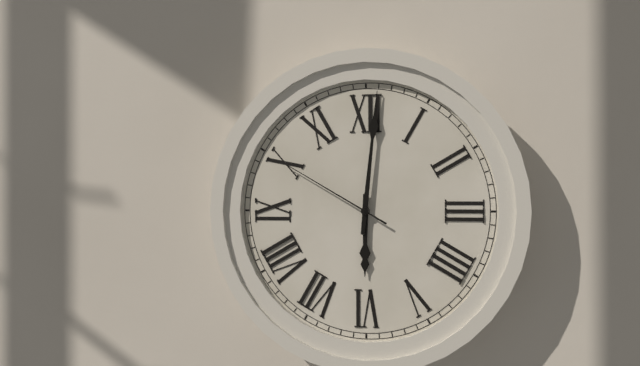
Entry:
6:01:50
